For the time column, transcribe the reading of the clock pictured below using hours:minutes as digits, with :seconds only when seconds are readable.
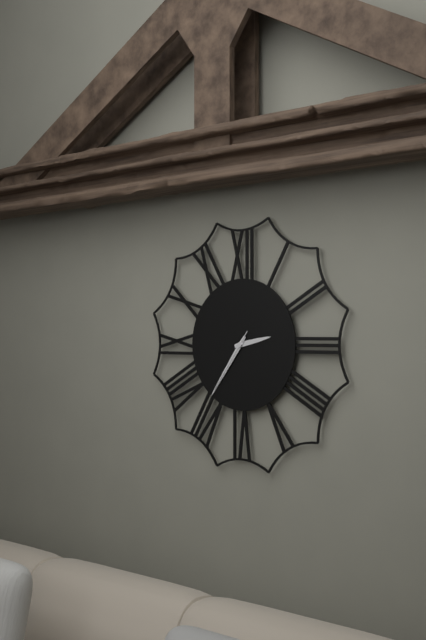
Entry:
2:36:36
